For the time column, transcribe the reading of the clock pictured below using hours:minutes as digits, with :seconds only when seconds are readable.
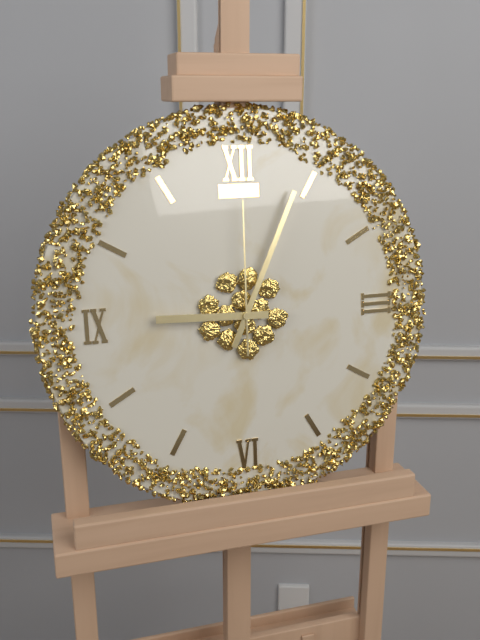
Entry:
9:04:00
